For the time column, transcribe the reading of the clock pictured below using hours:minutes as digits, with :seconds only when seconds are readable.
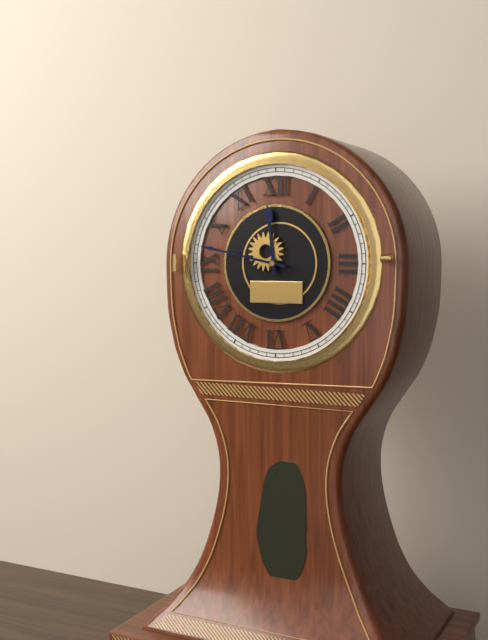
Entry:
11:47
